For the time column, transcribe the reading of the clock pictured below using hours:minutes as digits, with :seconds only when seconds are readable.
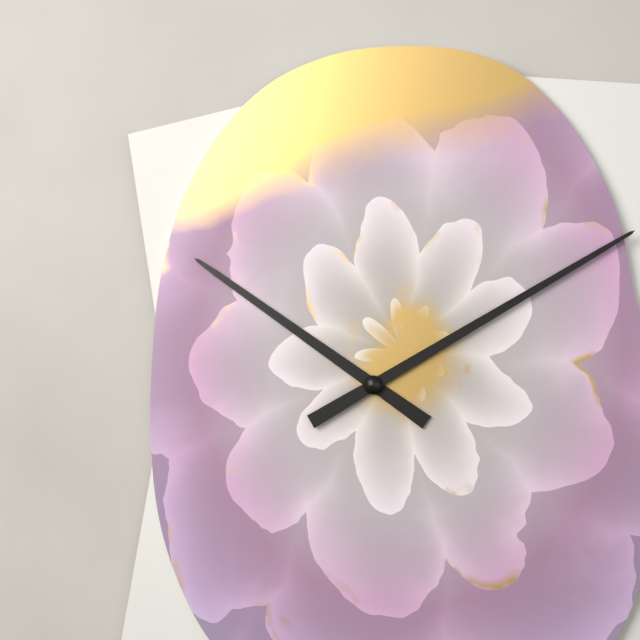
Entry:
10:10
